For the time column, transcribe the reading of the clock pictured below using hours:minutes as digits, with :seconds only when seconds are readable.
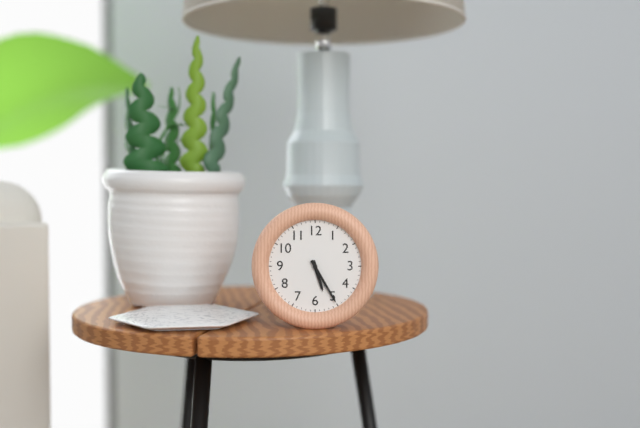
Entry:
5:25
